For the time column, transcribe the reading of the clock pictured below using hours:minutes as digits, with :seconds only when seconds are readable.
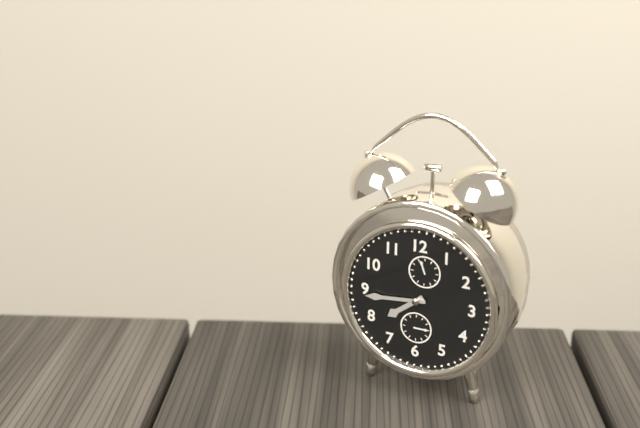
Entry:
7:44
